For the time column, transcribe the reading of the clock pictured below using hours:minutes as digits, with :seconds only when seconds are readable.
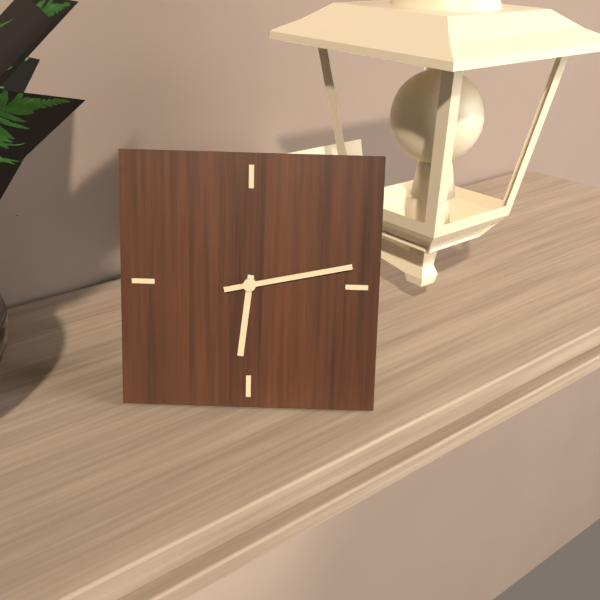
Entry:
6:13
